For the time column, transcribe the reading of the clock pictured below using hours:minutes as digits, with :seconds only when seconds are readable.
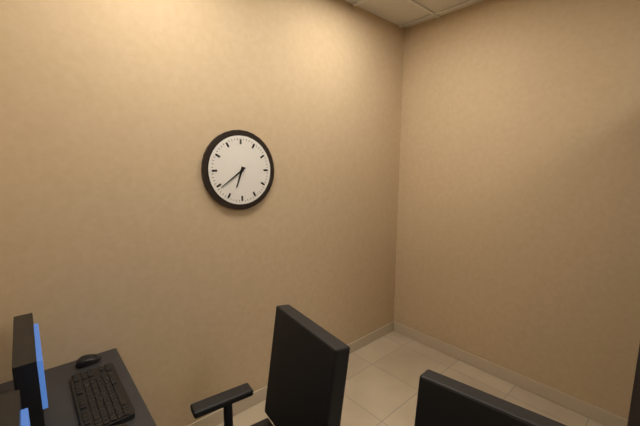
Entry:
6:39
